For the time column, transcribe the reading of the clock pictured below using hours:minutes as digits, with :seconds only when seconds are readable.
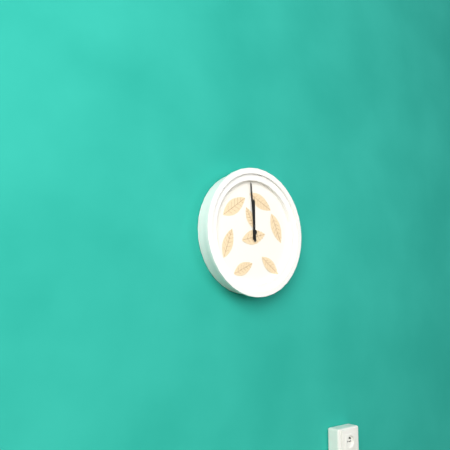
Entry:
11:59
